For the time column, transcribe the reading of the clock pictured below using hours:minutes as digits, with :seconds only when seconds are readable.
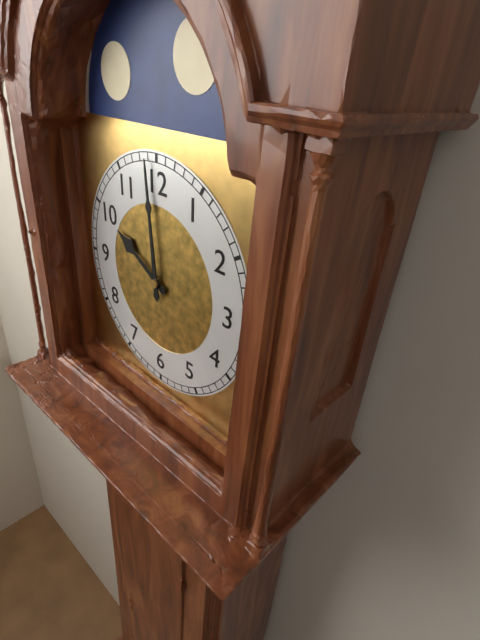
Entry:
9:59
